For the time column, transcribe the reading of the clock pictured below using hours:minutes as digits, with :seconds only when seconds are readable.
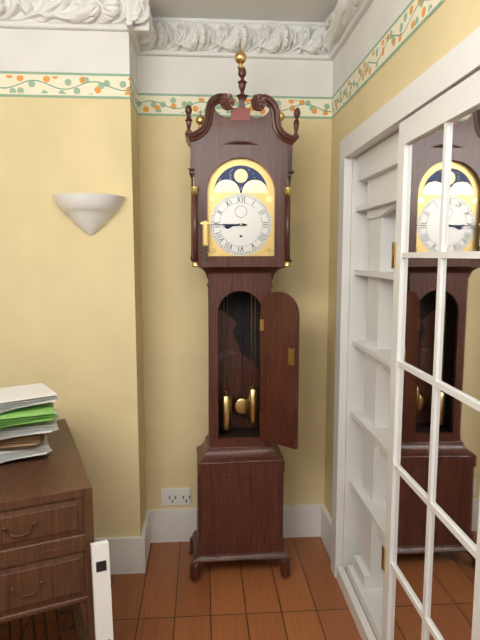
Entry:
8:45
